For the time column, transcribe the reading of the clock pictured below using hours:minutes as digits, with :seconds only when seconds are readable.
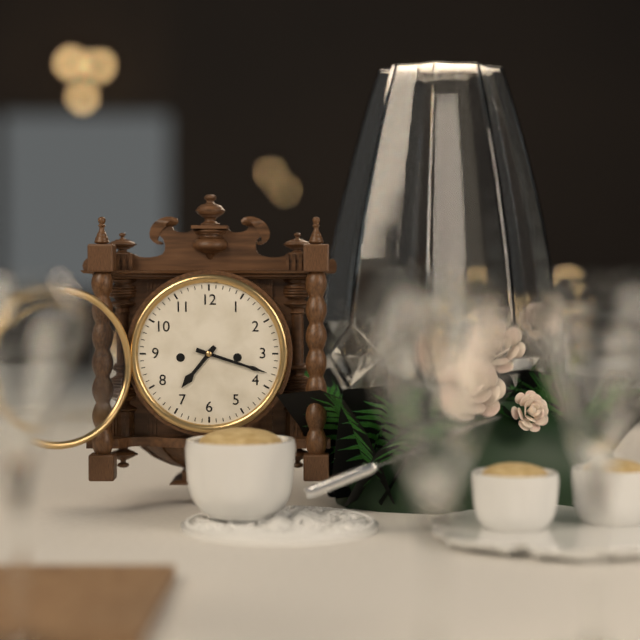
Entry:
7:18
